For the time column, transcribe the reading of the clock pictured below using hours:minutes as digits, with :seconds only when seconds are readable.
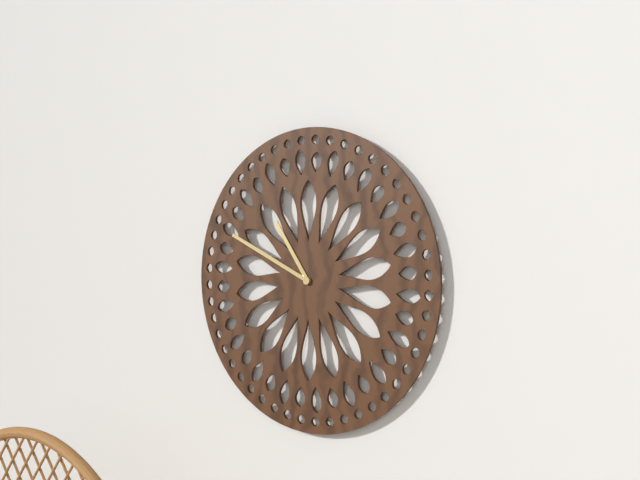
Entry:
10:49
